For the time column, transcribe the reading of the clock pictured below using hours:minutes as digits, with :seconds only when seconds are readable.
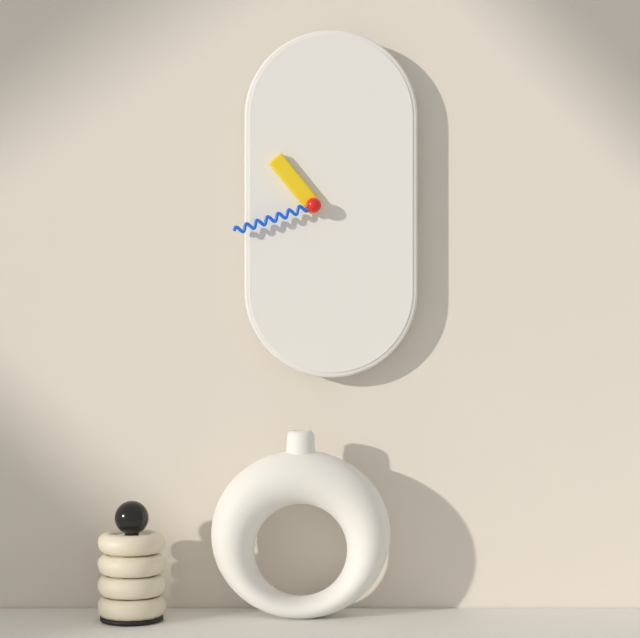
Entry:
10:42
